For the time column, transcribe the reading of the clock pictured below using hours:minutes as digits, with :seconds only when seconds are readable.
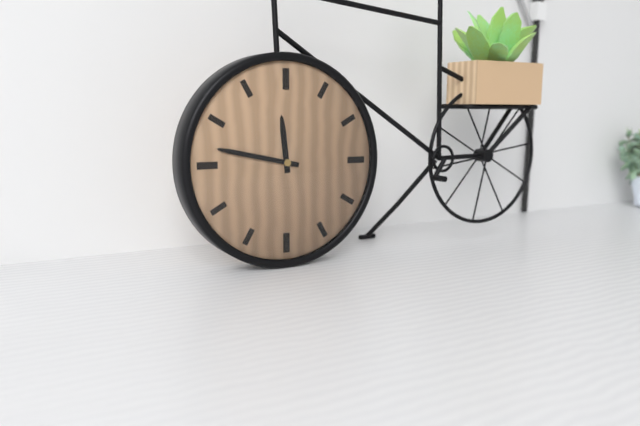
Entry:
11:47
